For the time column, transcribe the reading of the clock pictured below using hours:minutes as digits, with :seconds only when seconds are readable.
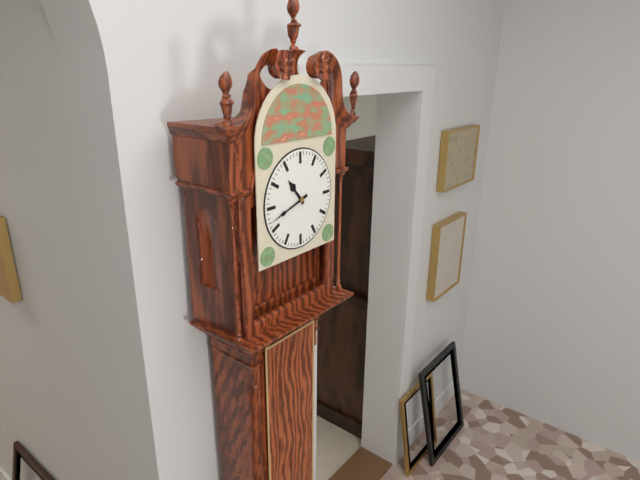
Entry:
10:42
